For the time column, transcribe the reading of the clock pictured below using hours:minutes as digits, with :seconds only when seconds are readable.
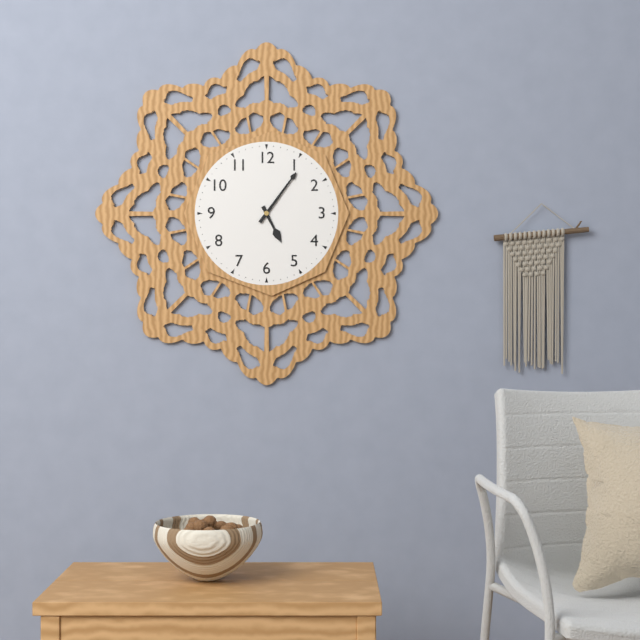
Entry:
5:06
